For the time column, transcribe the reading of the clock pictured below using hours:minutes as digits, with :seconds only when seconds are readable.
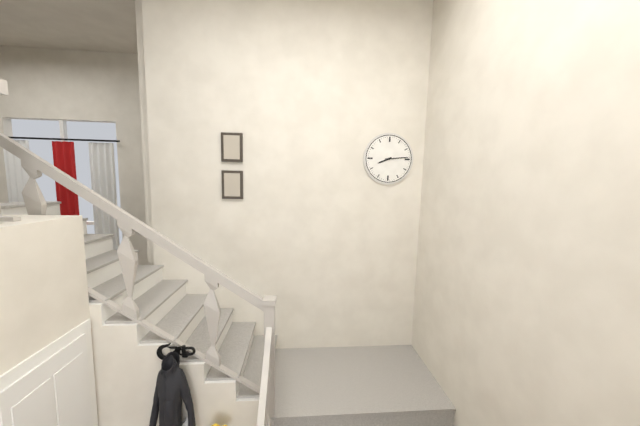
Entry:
8:14
